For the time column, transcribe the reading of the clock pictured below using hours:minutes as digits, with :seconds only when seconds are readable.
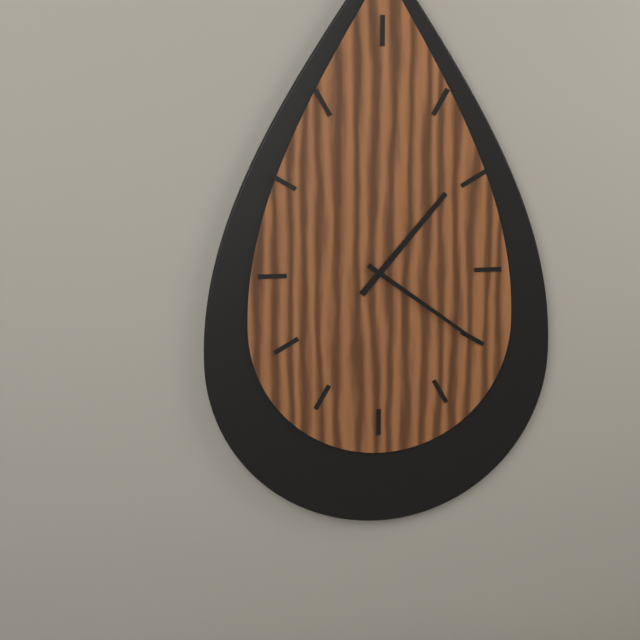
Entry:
1:21
